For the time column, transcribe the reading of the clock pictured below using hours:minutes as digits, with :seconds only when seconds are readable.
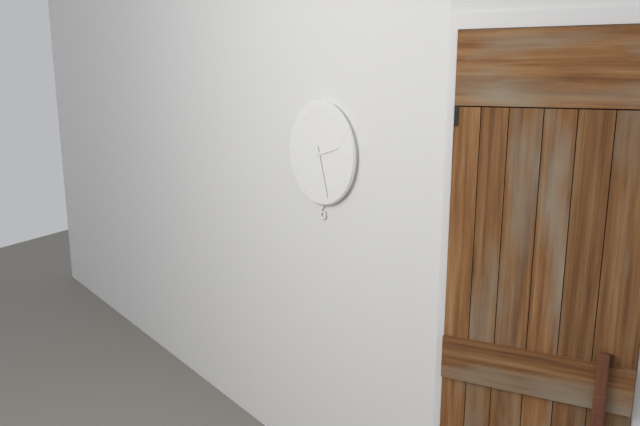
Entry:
2:27
